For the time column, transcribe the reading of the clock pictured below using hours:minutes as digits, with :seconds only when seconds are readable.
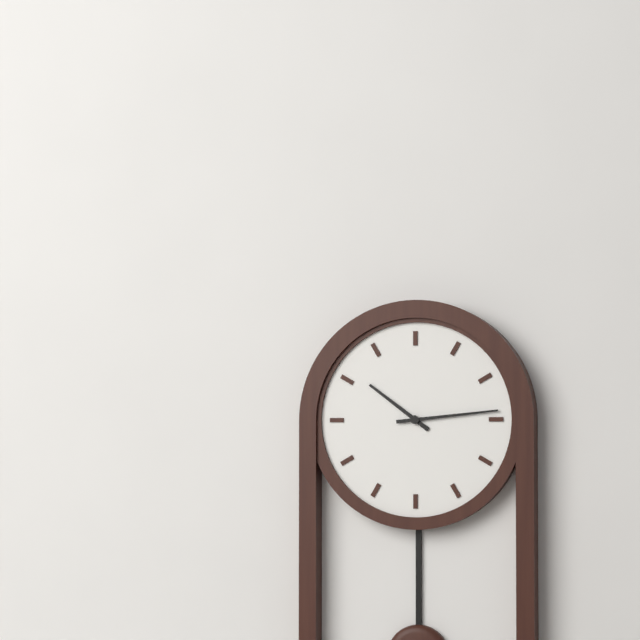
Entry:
10:14
